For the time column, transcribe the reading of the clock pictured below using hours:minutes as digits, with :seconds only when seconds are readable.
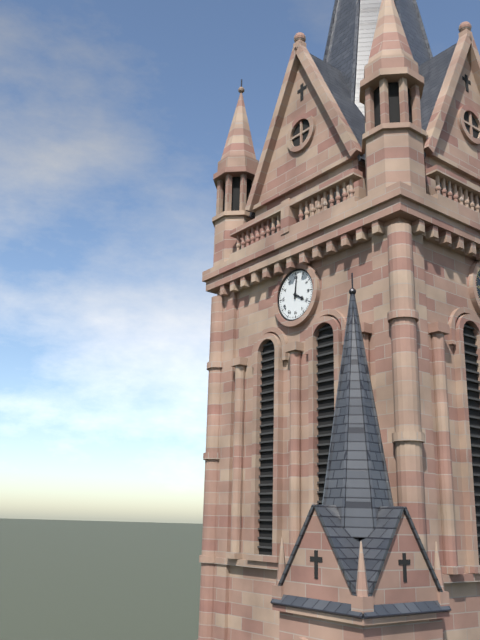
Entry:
4:01
